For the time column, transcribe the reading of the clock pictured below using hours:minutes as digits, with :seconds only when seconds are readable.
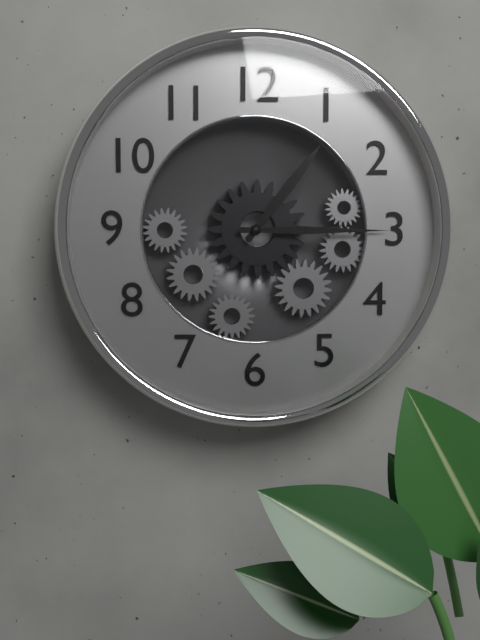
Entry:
1:15
